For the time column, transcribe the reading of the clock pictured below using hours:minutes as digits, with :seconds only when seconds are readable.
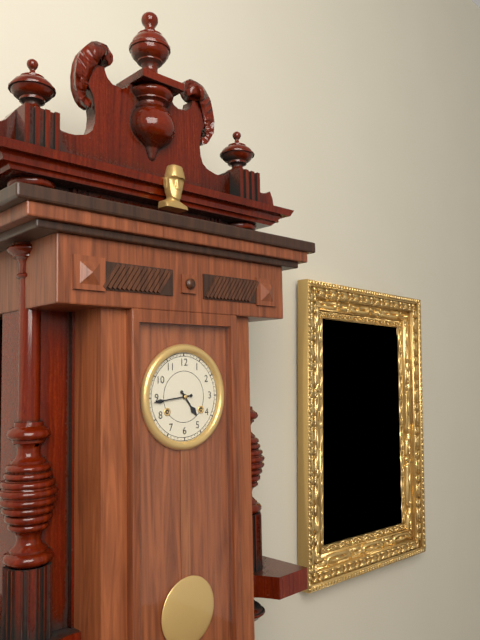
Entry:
4:44
